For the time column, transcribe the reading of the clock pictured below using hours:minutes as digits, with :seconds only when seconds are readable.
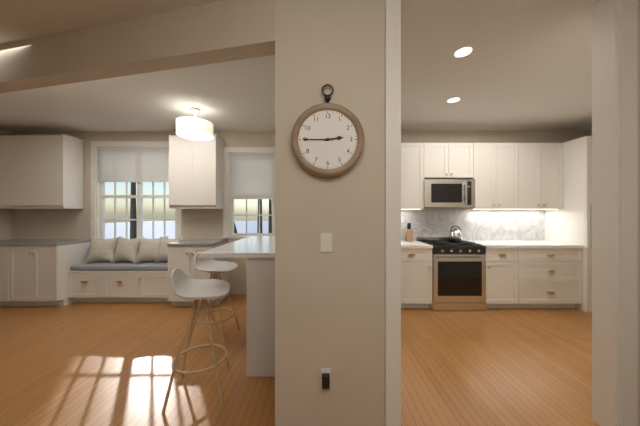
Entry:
2:45
